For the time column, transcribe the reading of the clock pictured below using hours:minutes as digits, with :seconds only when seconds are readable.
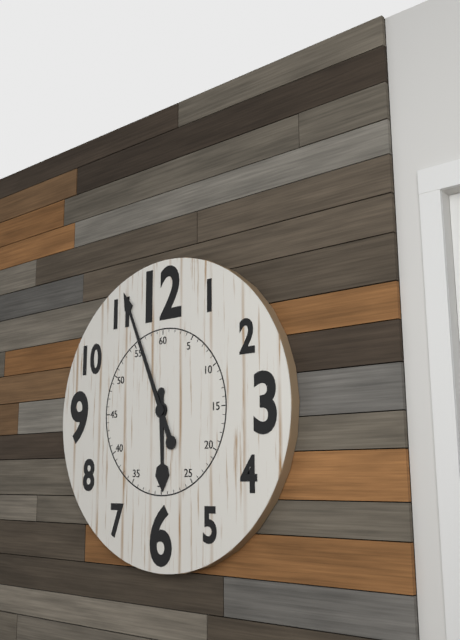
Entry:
5:56
